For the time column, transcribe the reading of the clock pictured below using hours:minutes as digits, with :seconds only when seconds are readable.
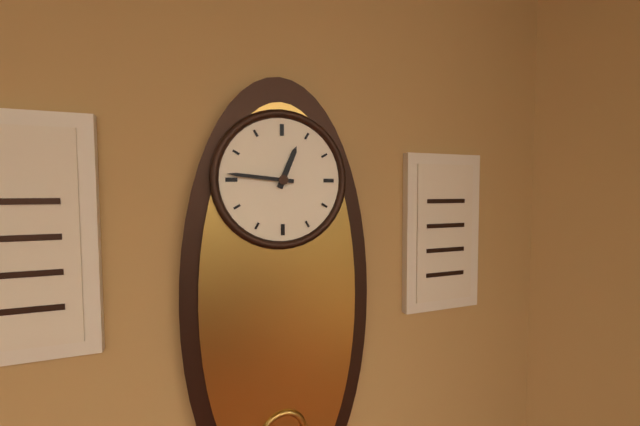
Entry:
12:46
